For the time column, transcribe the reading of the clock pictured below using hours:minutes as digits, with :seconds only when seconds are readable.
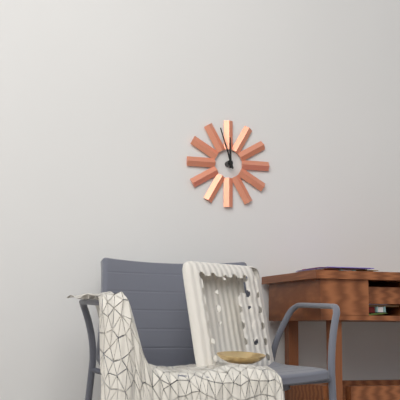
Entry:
11:57
